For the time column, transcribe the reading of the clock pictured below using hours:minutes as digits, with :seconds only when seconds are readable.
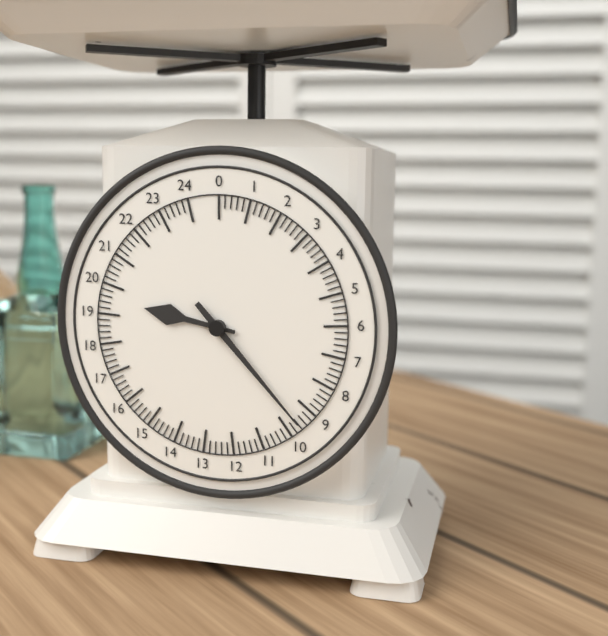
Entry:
9:23
